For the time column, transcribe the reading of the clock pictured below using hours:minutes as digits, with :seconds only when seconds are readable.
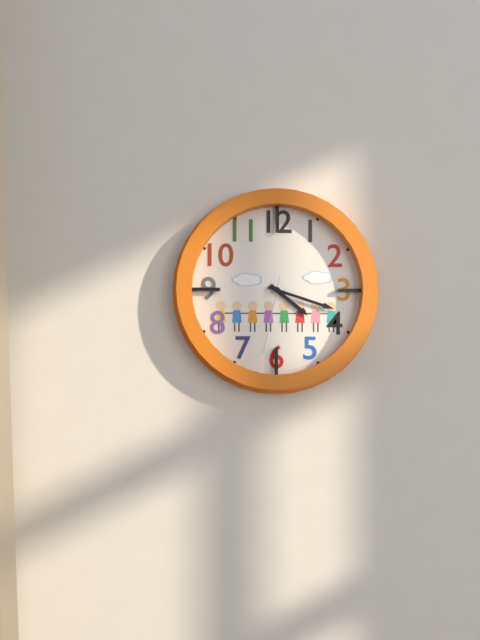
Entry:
4:18:32
